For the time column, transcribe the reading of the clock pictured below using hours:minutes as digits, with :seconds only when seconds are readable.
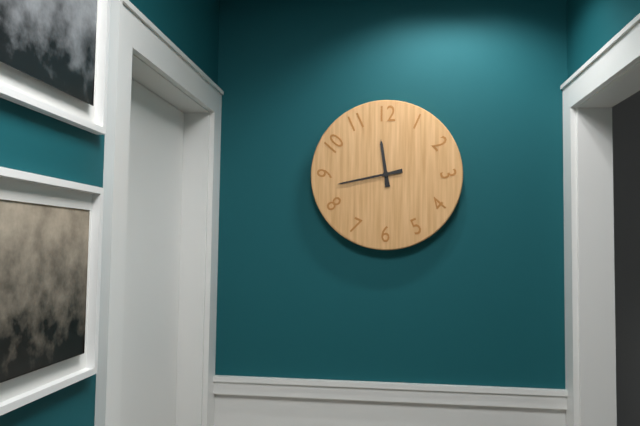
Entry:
11:43
